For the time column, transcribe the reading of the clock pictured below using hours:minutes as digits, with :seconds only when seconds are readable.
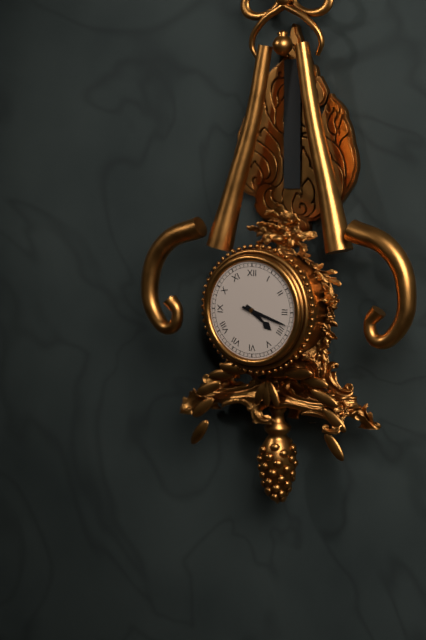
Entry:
4:18
